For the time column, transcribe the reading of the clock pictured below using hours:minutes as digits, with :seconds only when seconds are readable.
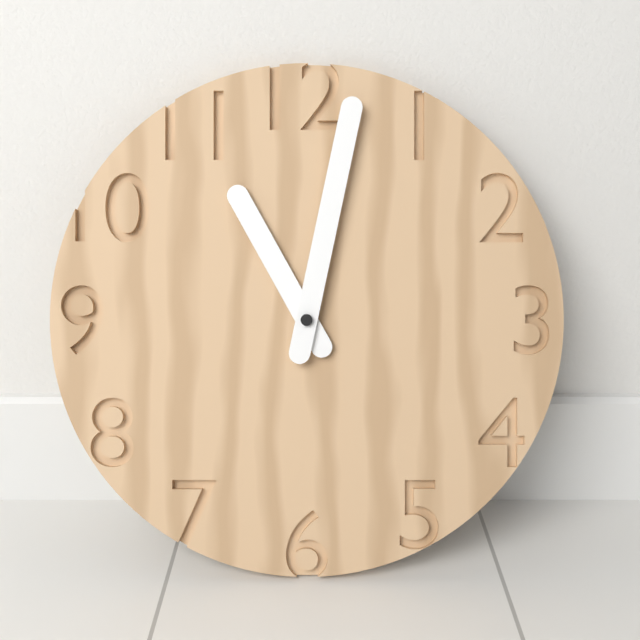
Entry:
11:02
